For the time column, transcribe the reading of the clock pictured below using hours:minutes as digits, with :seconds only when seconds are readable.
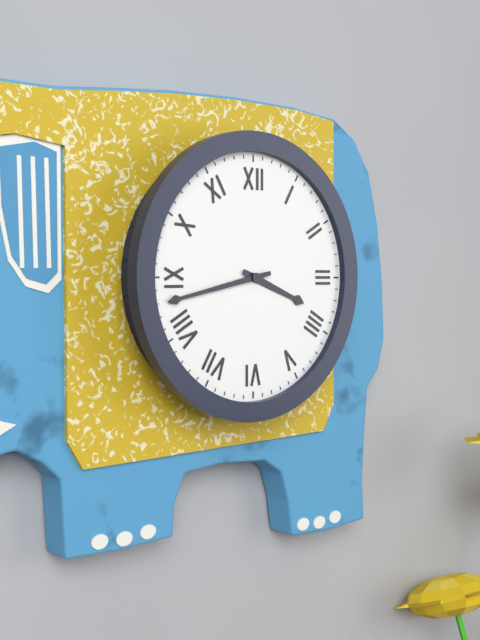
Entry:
3:43
